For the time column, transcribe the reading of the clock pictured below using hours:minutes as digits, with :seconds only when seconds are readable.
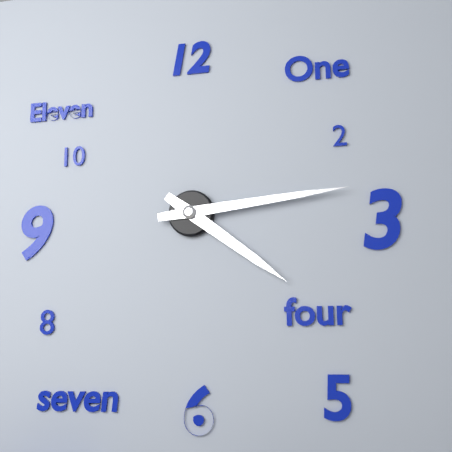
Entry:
4:14
